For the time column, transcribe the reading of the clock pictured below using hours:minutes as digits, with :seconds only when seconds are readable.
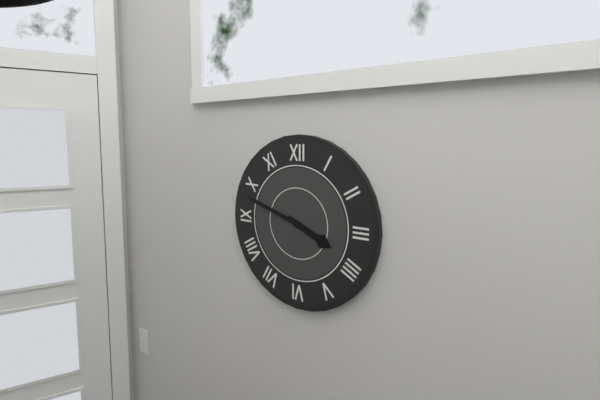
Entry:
3:48
